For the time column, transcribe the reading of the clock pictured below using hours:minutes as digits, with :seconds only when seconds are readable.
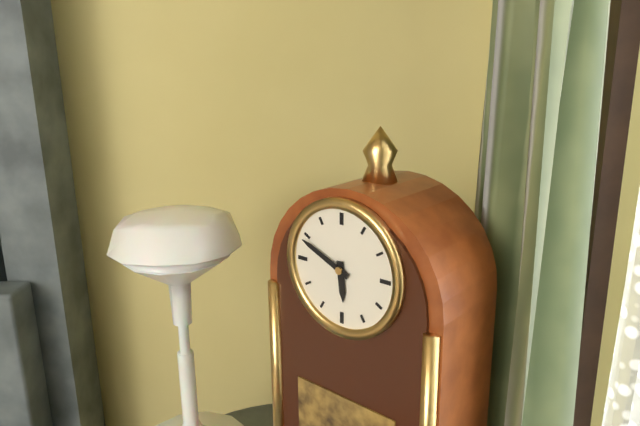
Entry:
5:49
